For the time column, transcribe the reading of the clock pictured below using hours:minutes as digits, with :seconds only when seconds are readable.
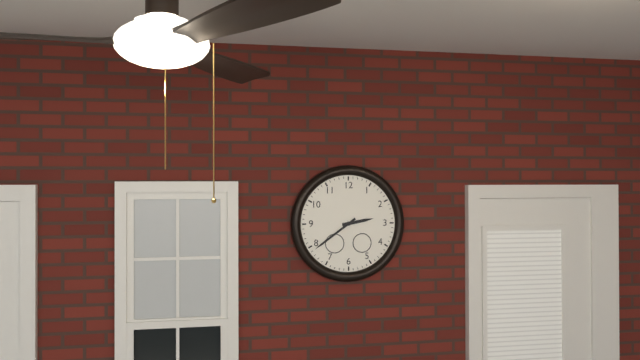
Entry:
2:39
